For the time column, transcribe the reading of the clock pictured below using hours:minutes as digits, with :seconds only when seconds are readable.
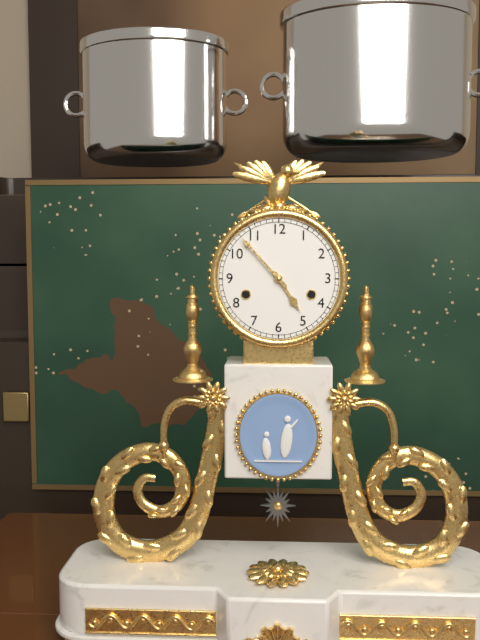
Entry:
4:53
